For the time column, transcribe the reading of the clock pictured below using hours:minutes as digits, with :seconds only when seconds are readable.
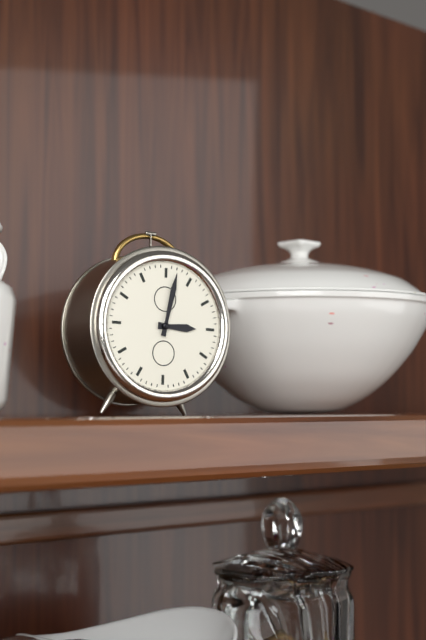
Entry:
3:02
